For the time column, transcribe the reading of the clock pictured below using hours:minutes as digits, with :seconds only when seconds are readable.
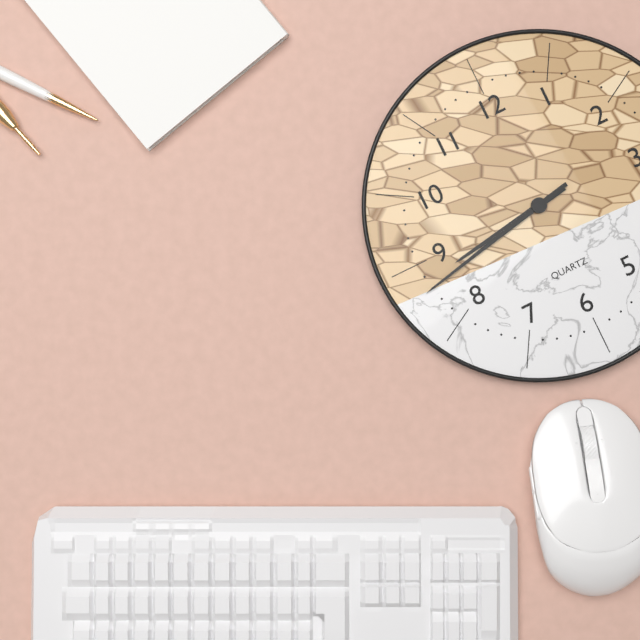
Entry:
8:43
